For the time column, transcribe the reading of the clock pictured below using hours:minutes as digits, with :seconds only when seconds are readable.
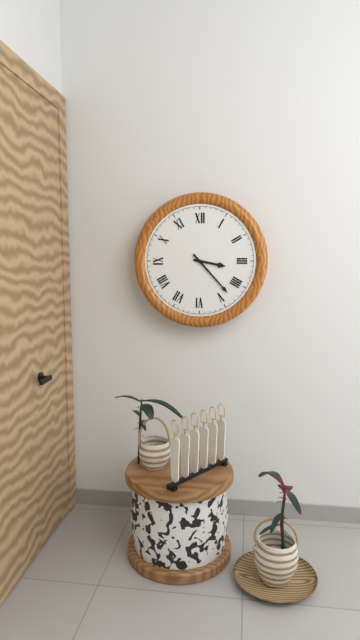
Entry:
3:23
